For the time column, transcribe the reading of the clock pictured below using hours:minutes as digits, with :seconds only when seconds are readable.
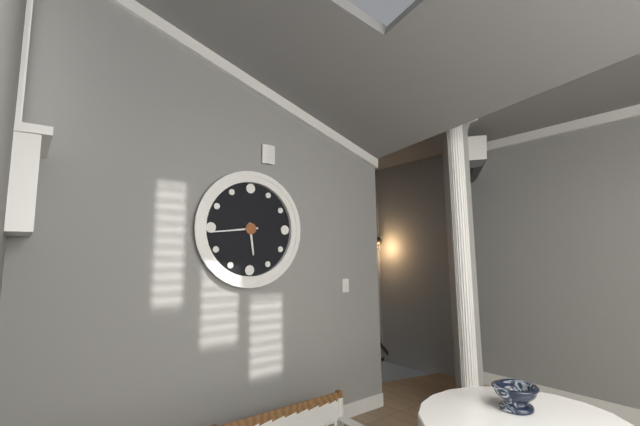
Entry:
5:44
